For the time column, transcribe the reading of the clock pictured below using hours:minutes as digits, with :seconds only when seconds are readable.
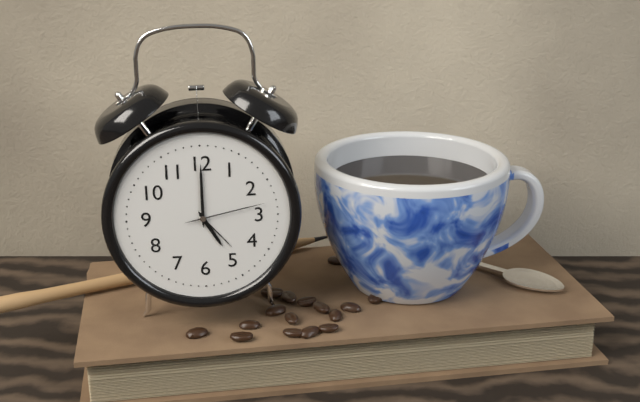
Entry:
5:00:13
